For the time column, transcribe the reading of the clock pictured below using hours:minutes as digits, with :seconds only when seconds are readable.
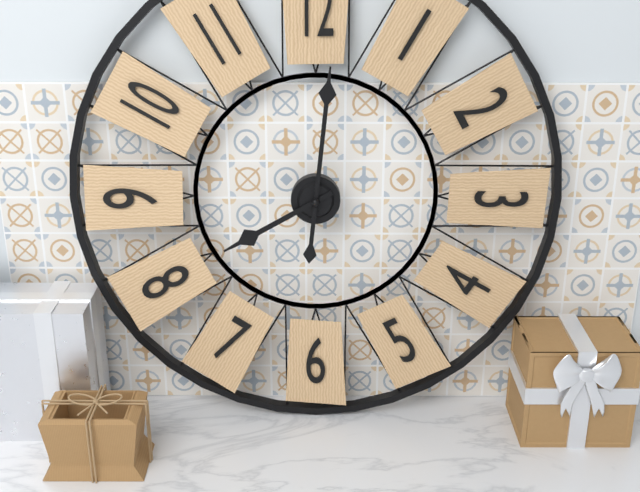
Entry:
8:01
